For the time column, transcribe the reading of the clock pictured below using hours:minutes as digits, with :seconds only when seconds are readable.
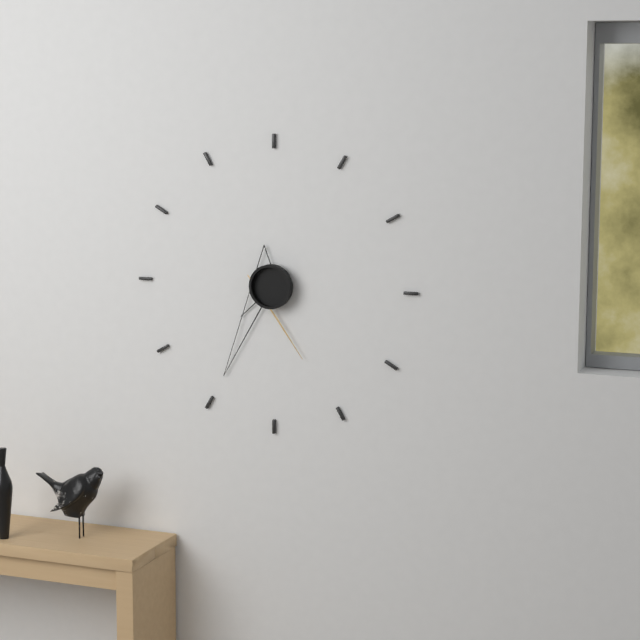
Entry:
7:35:26
